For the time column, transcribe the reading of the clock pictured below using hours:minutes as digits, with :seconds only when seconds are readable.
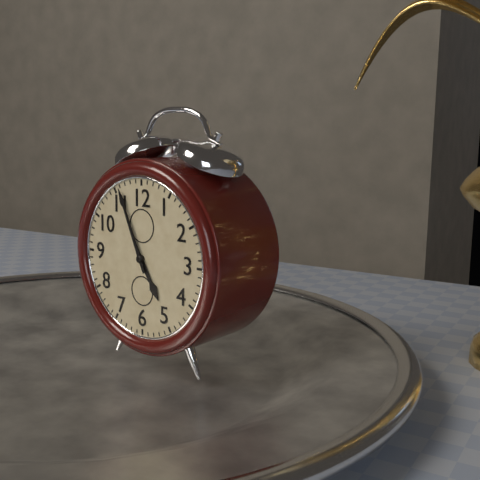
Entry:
4:56
